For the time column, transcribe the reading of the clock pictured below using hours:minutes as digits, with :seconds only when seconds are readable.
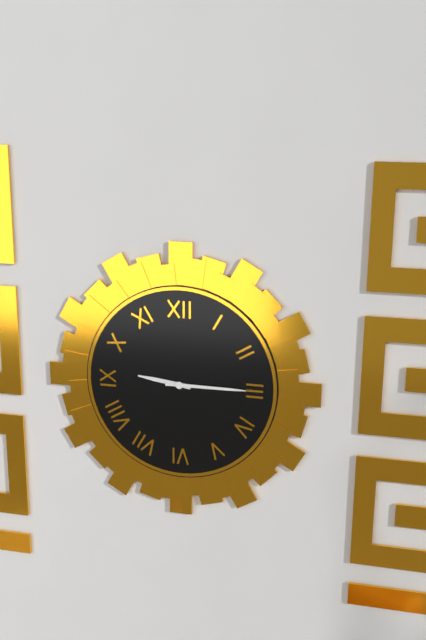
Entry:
9:15
